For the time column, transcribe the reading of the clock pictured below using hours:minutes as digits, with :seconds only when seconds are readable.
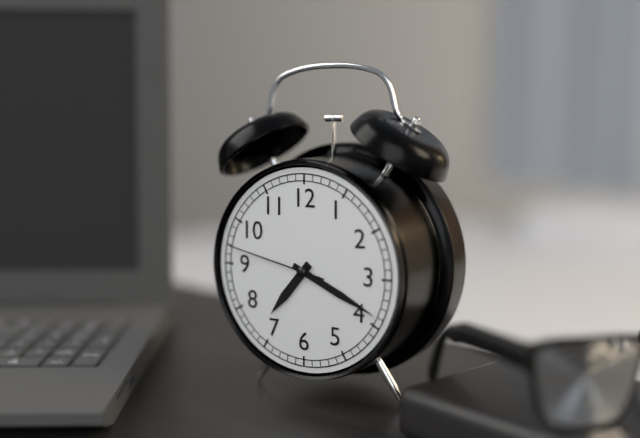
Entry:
7:19:47
